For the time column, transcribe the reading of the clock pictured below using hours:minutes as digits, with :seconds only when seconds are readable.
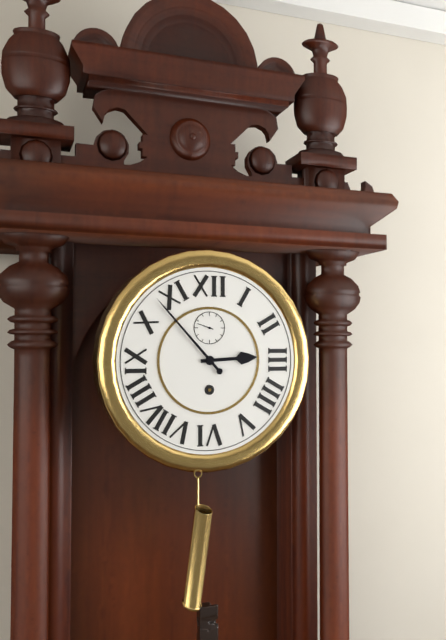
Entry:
2:53
